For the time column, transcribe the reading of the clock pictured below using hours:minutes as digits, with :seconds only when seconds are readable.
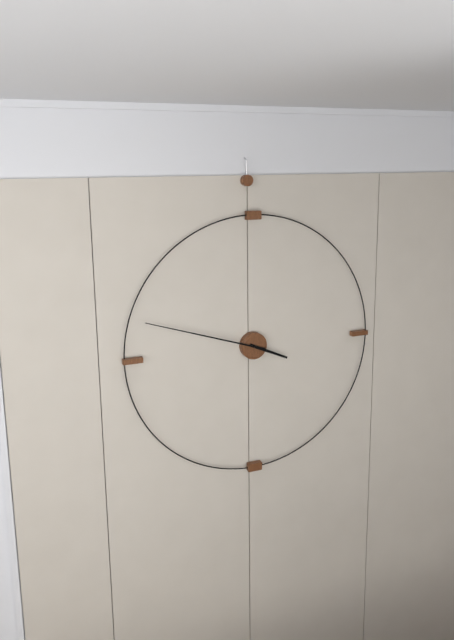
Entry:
3:48
